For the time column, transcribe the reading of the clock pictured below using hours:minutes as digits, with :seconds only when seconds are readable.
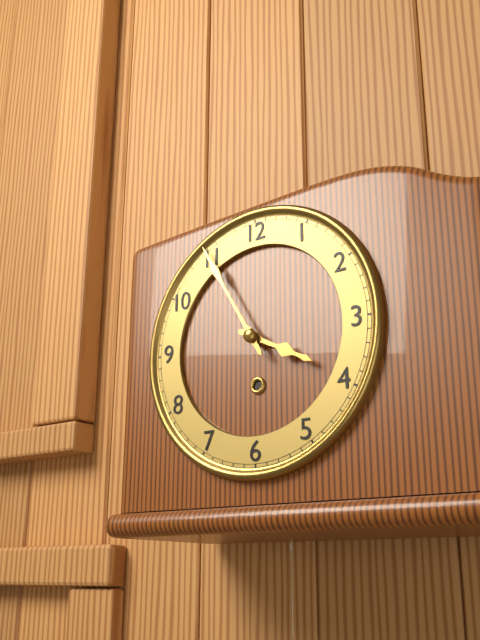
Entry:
3:55
